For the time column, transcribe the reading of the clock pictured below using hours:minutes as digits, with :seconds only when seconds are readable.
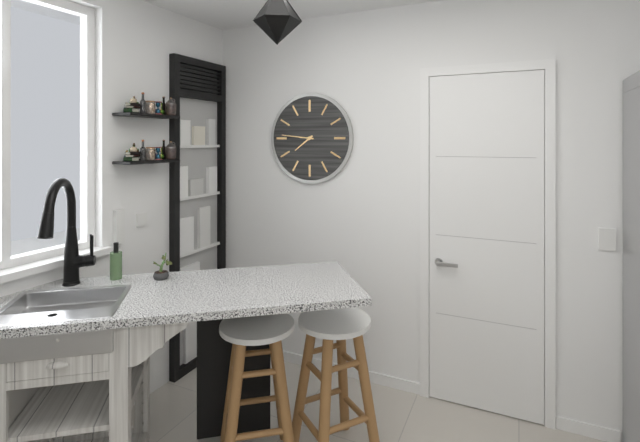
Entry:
7:46
